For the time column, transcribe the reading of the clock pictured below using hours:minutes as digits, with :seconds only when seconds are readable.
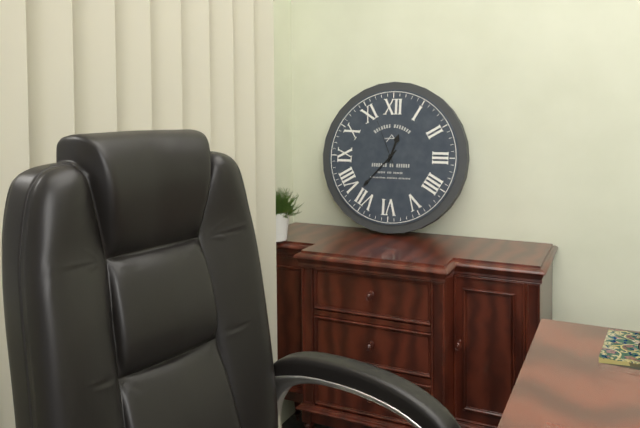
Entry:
12:37
